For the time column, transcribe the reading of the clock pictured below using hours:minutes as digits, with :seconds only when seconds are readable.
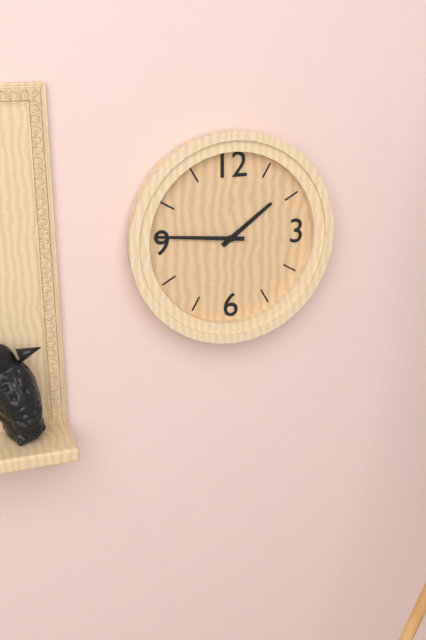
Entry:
1:46
